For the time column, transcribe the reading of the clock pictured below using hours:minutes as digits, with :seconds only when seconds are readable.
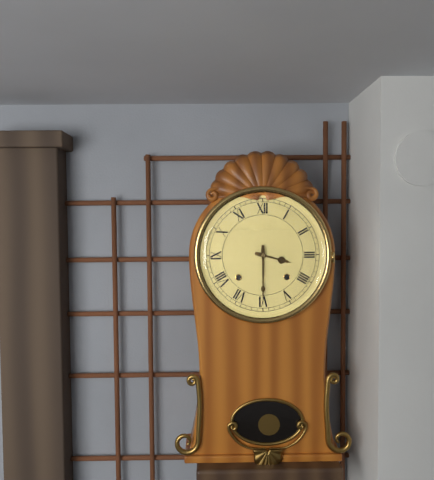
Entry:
3:30
